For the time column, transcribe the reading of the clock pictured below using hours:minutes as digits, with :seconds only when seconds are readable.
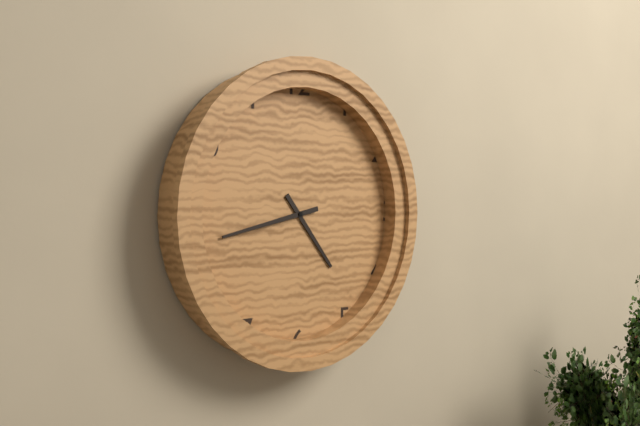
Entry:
4:43
